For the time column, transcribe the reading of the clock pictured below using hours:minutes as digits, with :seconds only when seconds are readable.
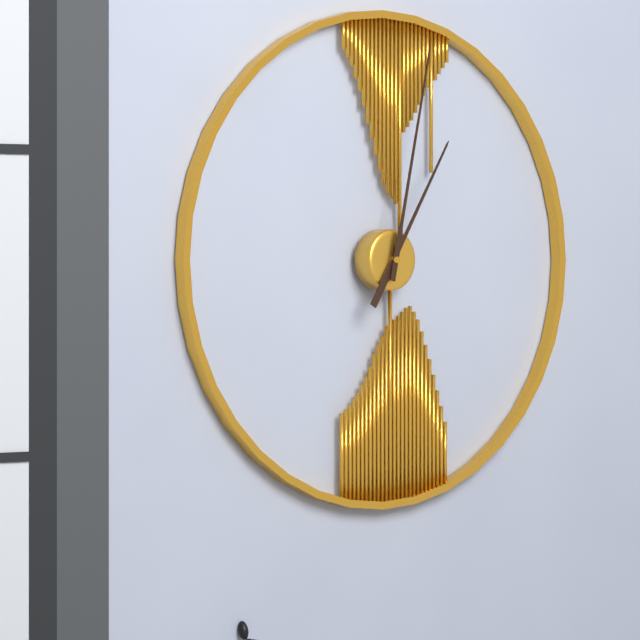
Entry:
1:02
